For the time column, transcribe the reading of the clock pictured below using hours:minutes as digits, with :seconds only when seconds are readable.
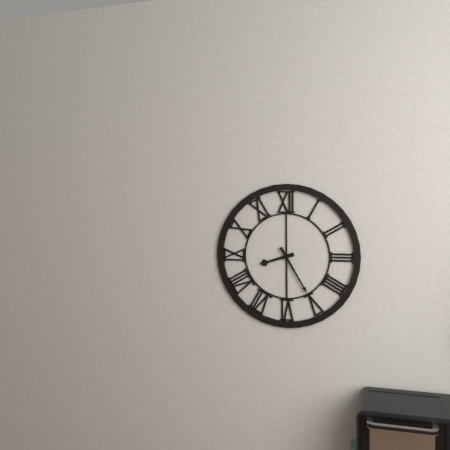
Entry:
8:25
